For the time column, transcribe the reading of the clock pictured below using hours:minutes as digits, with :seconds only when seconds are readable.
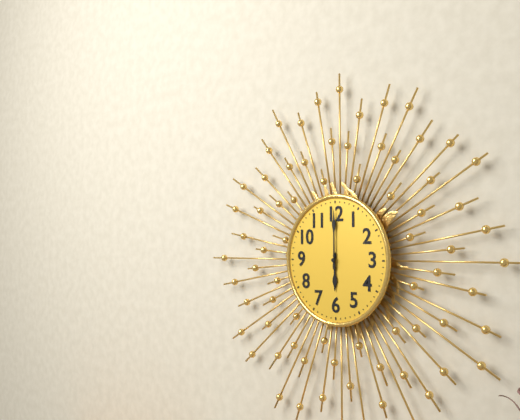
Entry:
6:00
